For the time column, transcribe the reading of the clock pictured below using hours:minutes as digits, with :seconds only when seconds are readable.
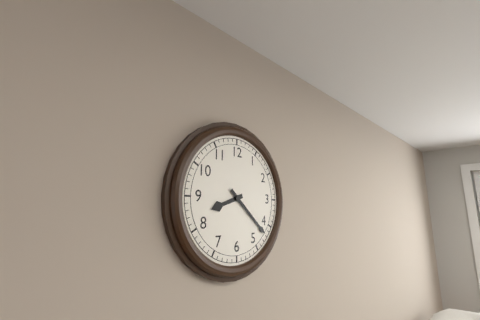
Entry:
8:22
